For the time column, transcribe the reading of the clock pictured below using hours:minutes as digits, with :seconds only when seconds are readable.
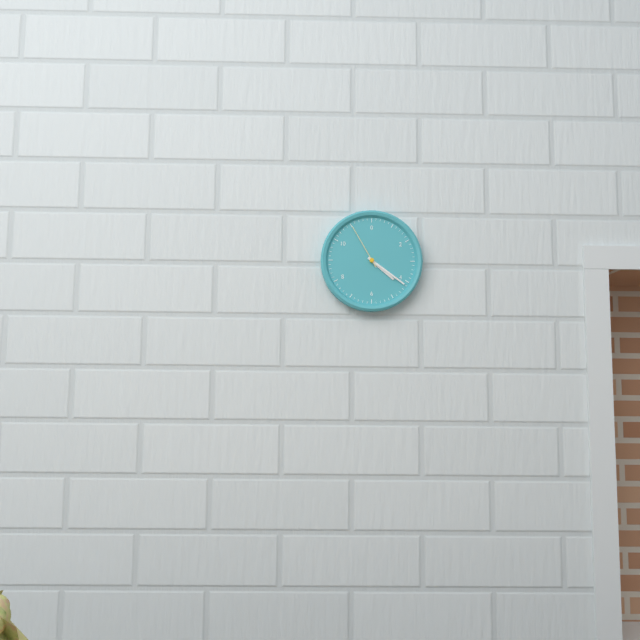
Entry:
4:21:55
